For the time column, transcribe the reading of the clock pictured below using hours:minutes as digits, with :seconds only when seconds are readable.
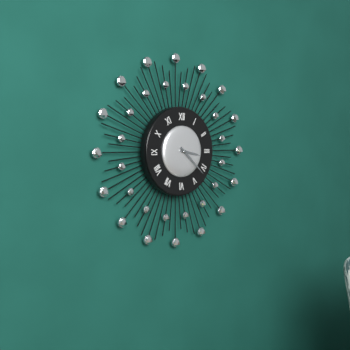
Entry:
3:22
